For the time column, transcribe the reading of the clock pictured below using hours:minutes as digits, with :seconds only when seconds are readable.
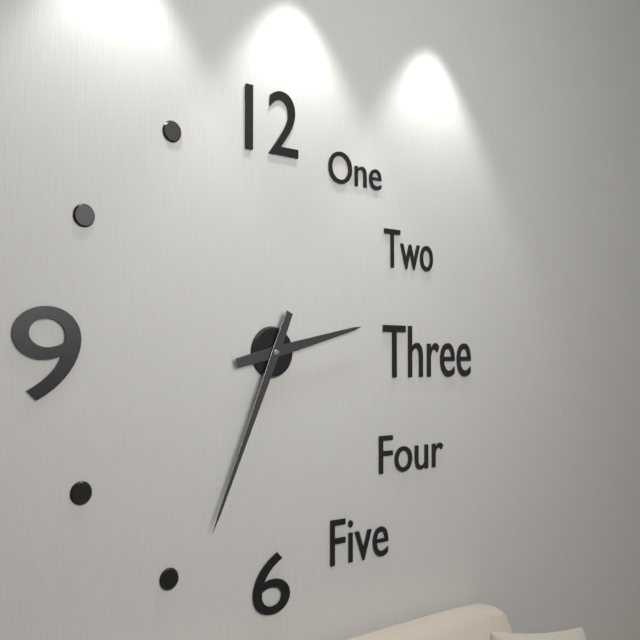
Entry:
2:34
